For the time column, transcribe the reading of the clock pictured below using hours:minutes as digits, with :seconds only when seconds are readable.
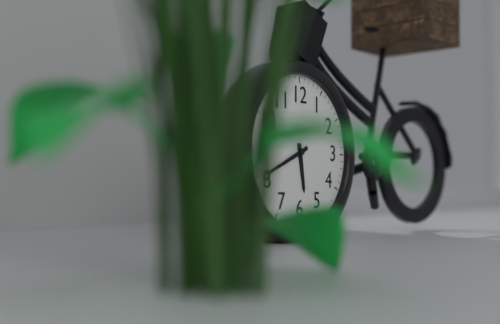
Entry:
5:41
